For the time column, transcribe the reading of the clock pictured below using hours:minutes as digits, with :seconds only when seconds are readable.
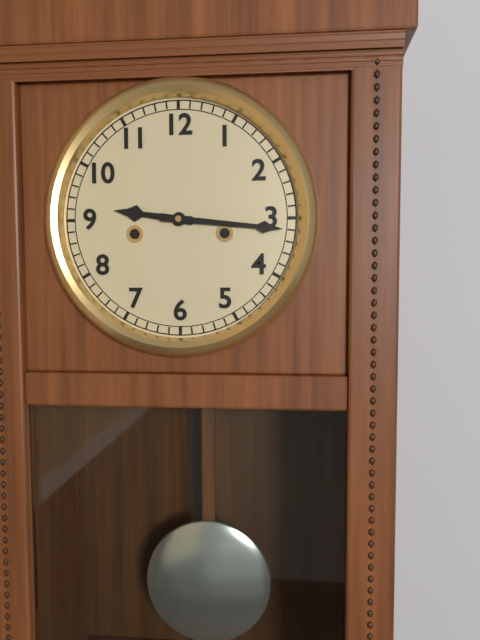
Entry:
9:16
